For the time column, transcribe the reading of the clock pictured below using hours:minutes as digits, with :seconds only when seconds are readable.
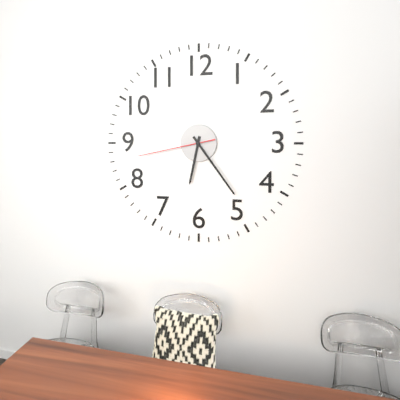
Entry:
6:24:43
